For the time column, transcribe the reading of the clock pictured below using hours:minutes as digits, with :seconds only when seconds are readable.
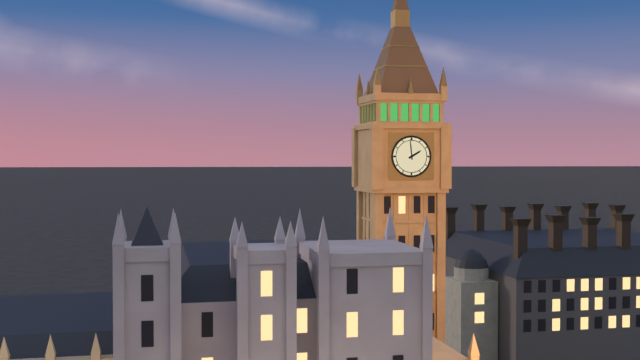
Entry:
1:59
